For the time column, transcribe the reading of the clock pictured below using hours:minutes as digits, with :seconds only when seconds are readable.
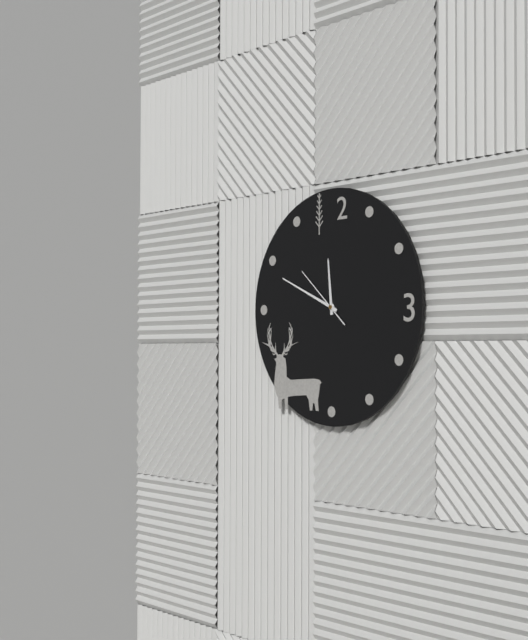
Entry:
11:49:52
